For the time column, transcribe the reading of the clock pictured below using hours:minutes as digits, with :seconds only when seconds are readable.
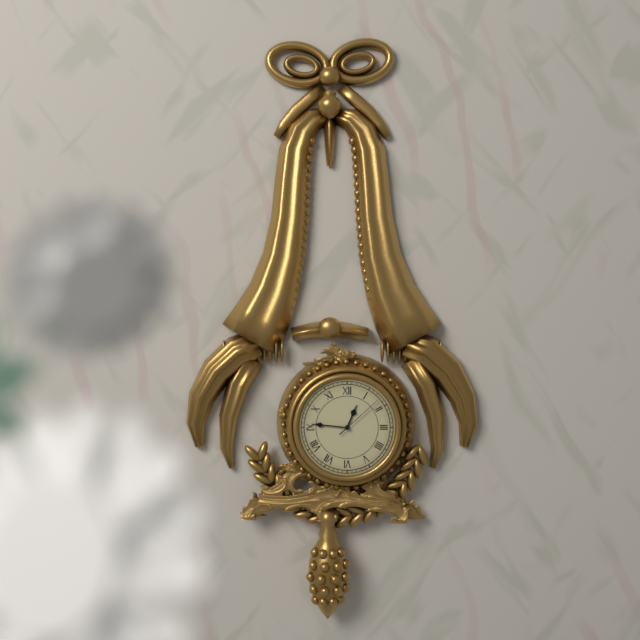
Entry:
12:46:08
